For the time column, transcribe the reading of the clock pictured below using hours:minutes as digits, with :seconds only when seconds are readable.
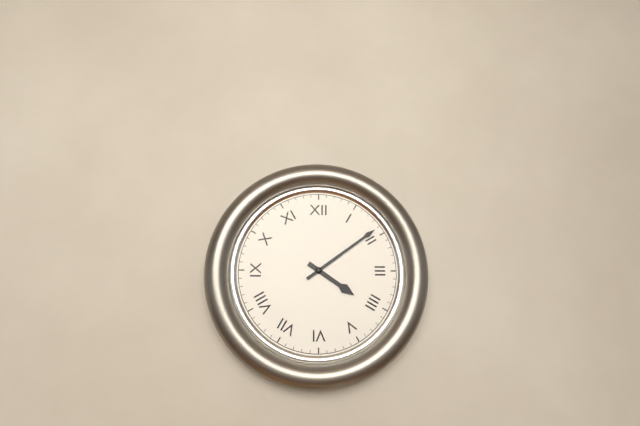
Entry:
4:09
